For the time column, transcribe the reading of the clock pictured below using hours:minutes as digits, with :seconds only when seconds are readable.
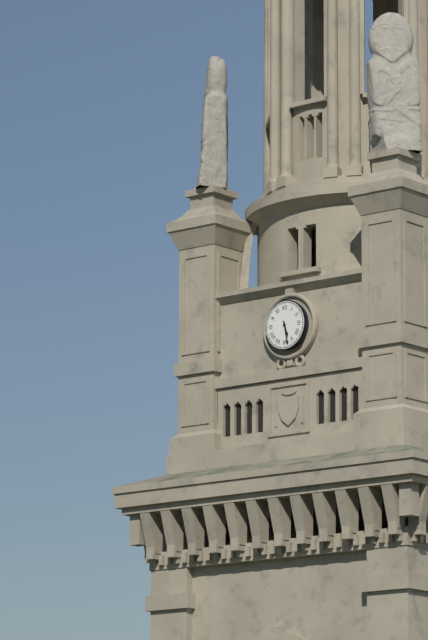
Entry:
5:28
